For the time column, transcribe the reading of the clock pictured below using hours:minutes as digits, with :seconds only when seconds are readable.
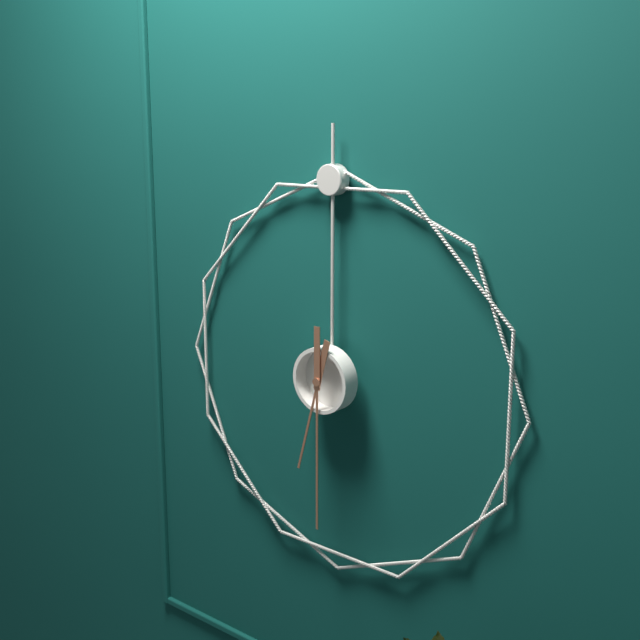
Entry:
6:30
